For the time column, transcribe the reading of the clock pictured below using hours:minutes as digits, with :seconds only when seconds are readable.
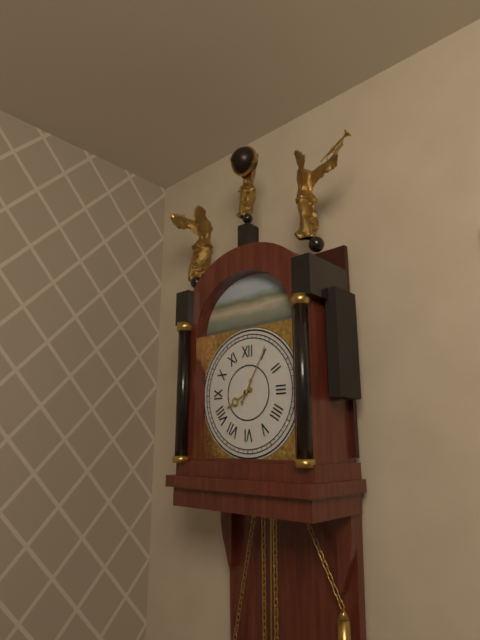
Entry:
8:05
